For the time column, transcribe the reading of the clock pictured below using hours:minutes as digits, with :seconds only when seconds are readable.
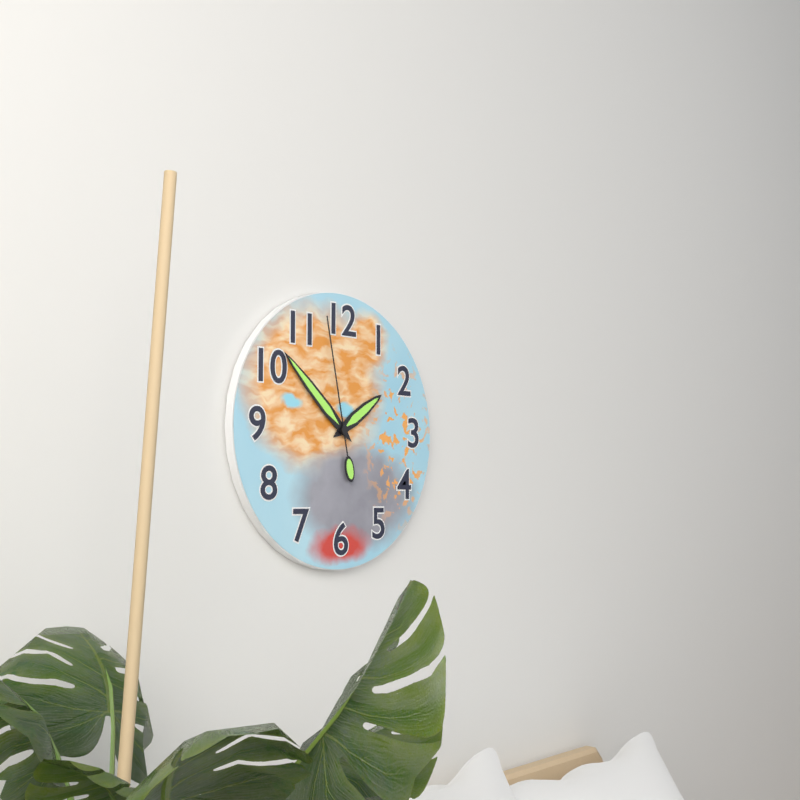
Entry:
1:52:58
